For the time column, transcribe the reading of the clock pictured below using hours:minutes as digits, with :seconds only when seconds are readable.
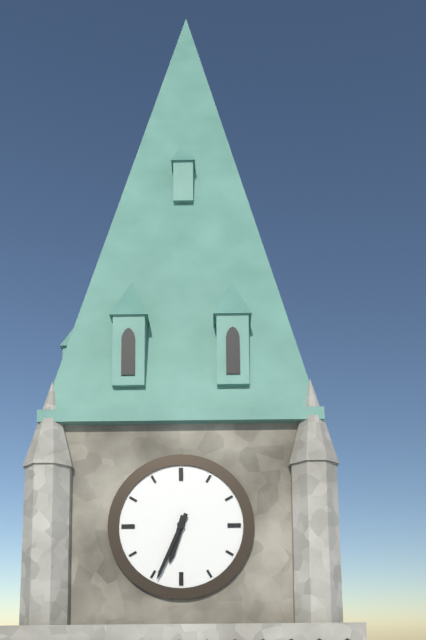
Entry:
6:34
